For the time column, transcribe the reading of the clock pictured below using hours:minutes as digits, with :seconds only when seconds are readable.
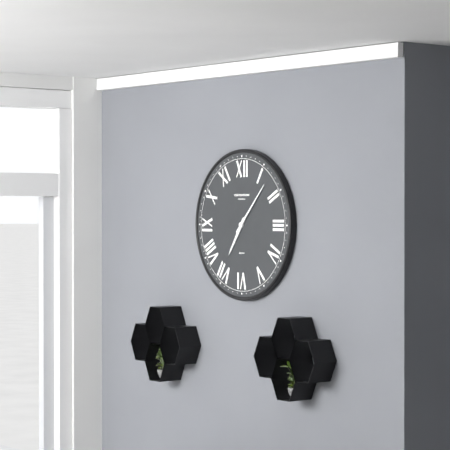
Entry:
7:07
